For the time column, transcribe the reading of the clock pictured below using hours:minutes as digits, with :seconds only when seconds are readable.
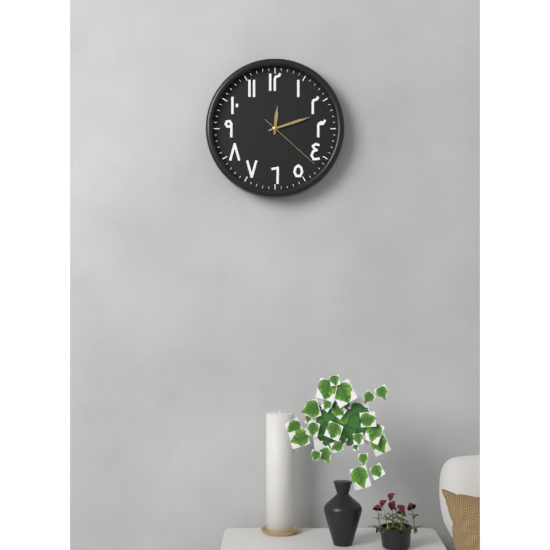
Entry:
12:12:22
